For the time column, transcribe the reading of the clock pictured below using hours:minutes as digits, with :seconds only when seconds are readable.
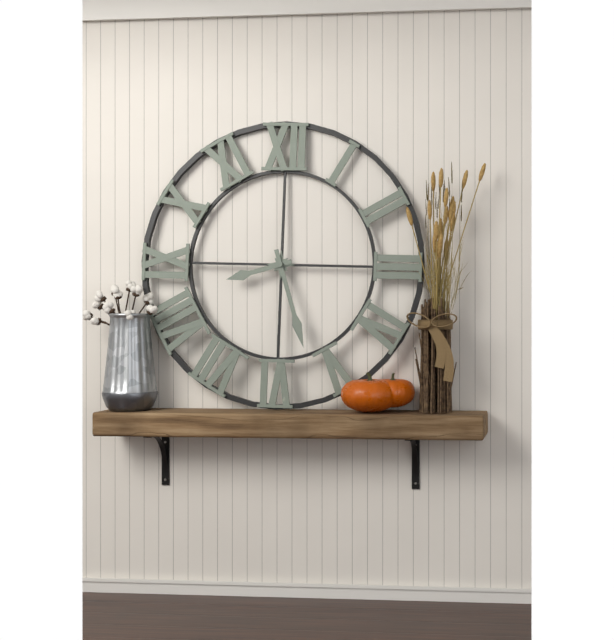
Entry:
8:27
